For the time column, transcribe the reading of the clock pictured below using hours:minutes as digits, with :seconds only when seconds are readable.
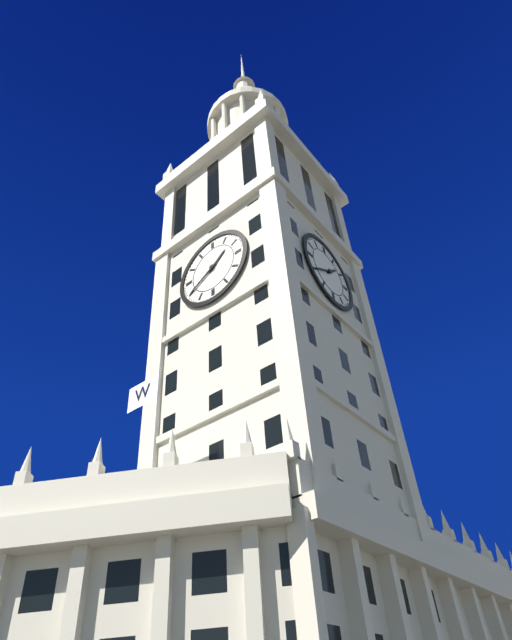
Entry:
1:40
